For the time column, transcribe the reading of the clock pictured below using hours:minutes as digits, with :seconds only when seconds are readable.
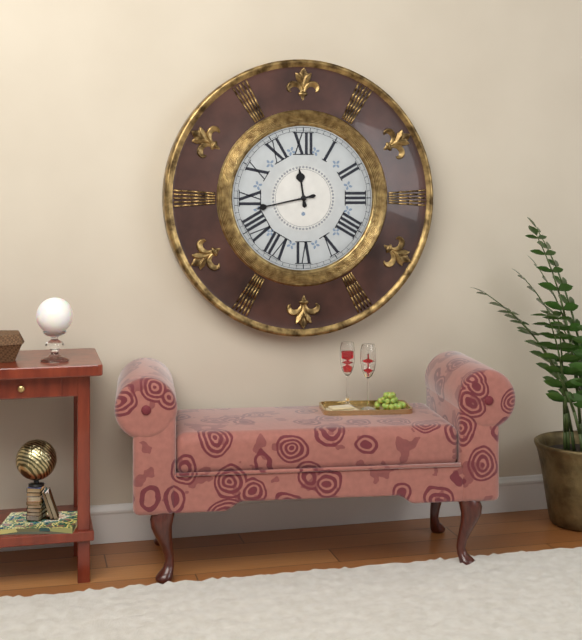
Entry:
11:43
